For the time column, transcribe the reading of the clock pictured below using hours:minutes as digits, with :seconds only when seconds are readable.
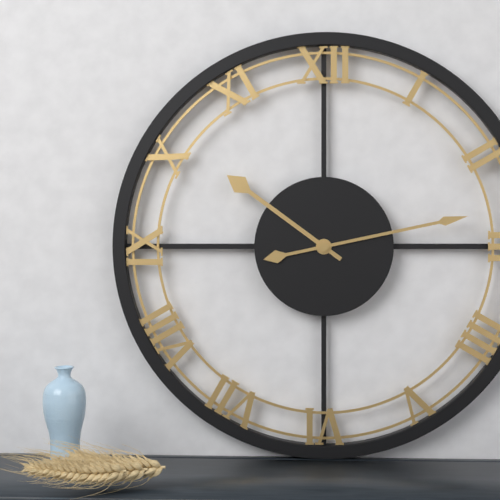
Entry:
10:13
